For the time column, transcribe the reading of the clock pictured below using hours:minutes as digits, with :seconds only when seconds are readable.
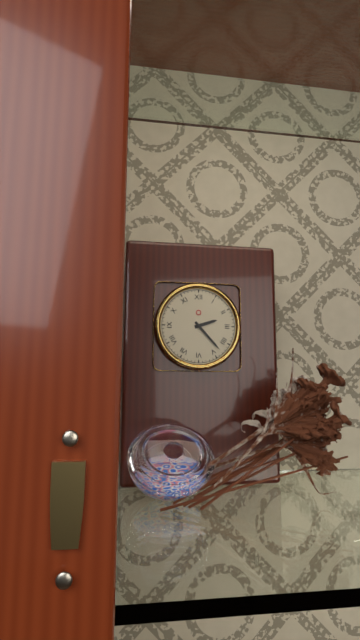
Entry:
2:23
